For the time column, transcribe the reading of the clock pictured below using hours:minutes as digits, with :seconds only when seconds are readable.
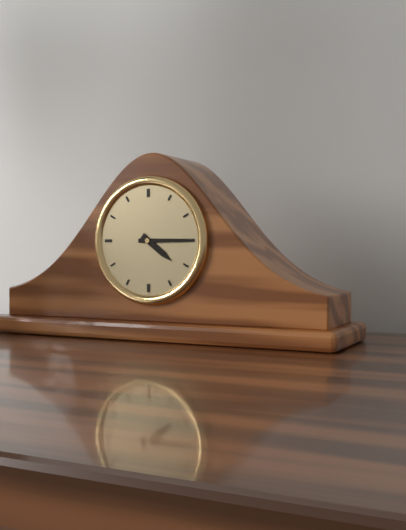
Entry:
4:15
